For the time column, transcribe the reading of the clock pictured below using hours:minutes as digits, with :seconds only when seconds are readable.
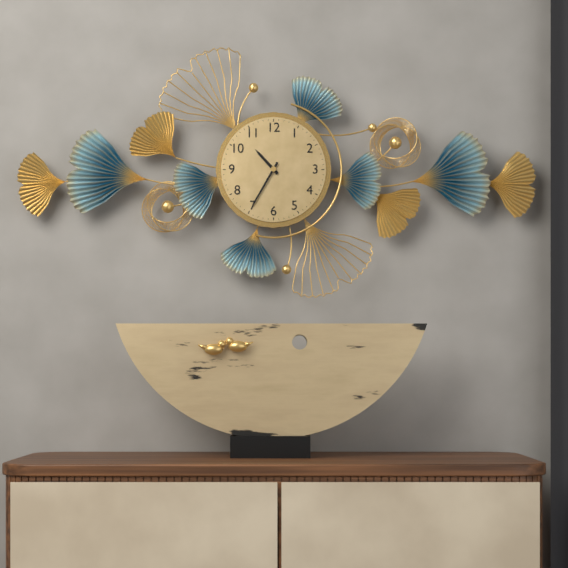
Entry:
10:35
